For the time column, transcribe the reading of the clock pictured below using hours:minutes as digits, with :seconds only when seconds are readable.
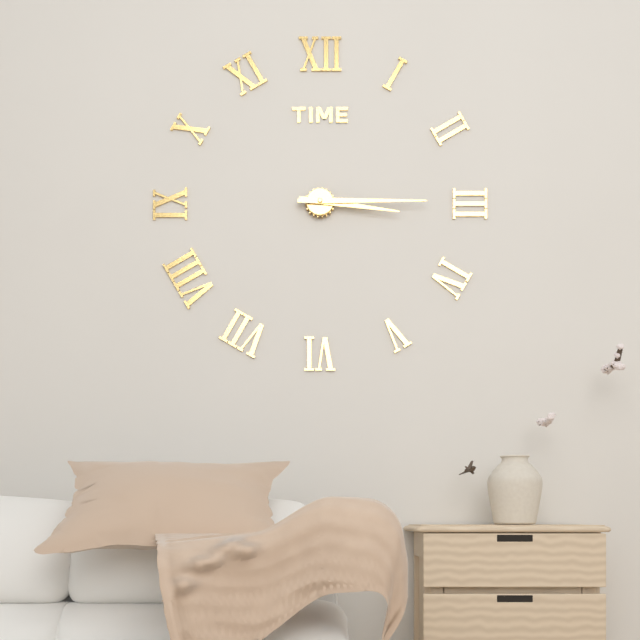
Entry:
3:15
